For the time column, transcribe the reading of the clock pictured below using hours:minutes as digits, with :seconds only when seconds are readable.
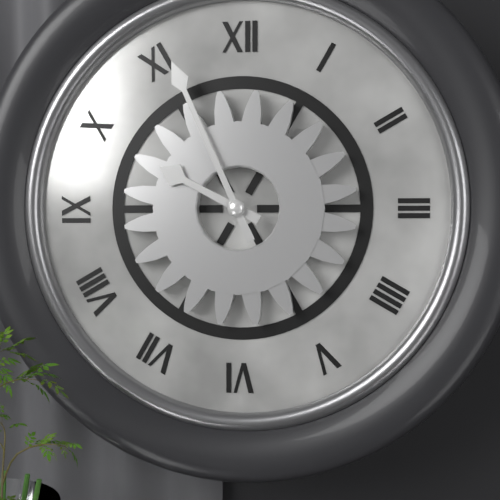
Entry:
9:56
